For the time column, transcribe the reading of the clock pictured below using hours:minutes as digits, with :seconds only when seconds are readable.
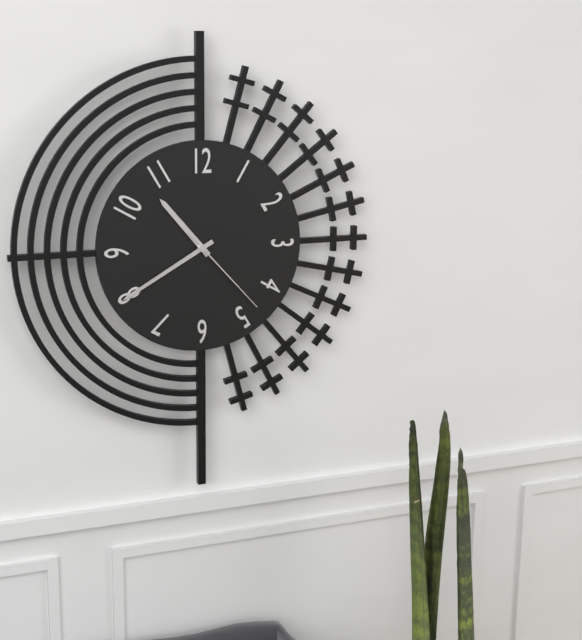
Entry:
10:40:23
